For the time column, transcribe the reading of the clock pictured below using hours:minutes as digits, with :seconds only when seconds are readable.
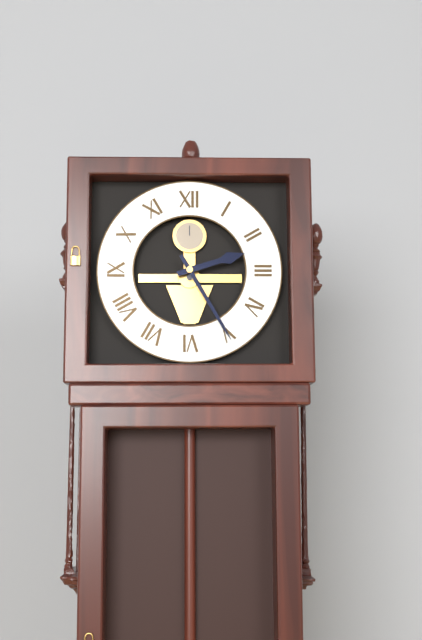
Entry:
2:25
